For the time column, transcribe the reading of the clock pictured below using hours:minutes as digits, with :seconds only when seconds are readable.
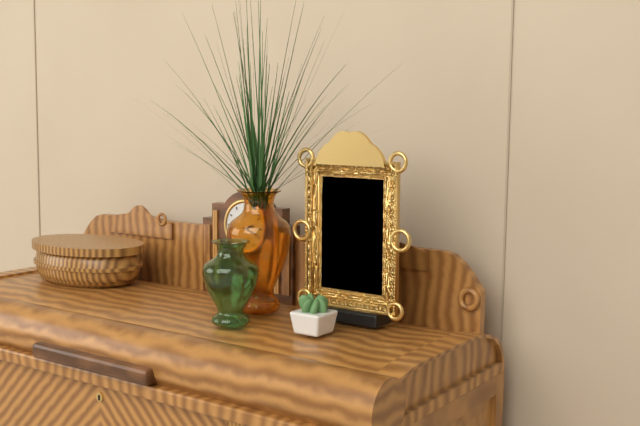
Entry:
2:19
